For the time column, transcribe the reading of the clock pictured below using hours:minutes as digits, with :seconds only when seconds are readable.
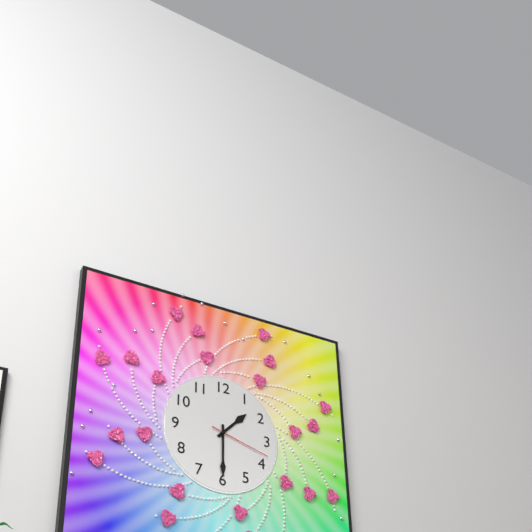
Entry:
1:30:18
